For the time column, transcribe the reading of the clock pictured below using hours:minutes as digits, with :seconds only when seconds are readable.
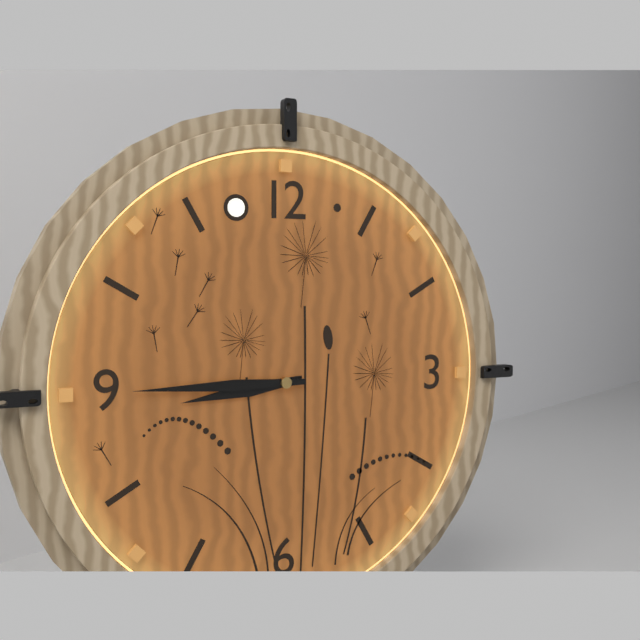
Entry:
8:45
